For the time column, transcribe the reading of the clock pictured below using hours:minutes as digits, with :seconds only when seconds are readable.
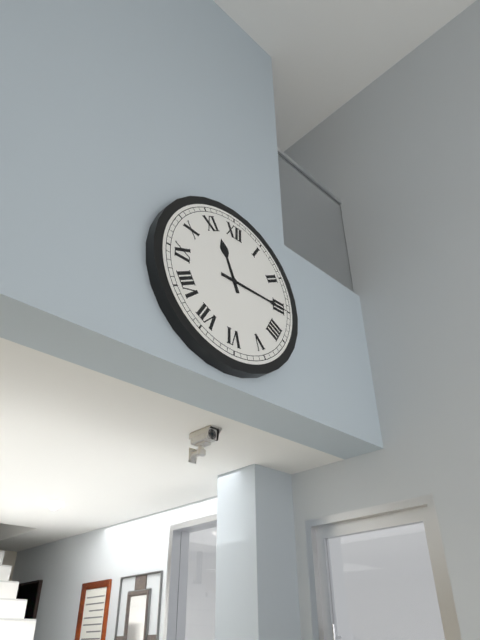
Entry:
11:15
